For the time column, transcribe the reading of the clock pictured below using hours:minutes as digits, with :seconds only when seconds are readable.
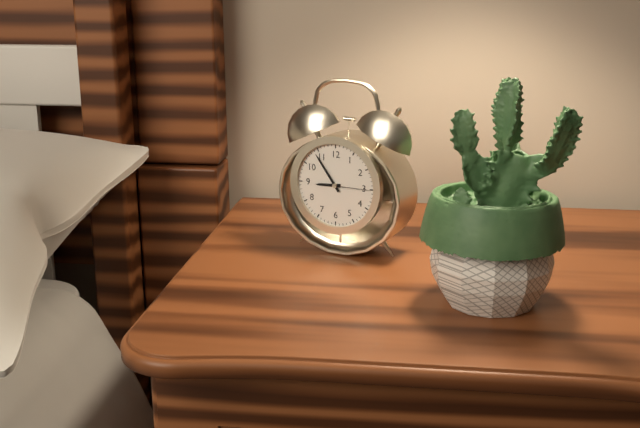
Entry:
8:54
